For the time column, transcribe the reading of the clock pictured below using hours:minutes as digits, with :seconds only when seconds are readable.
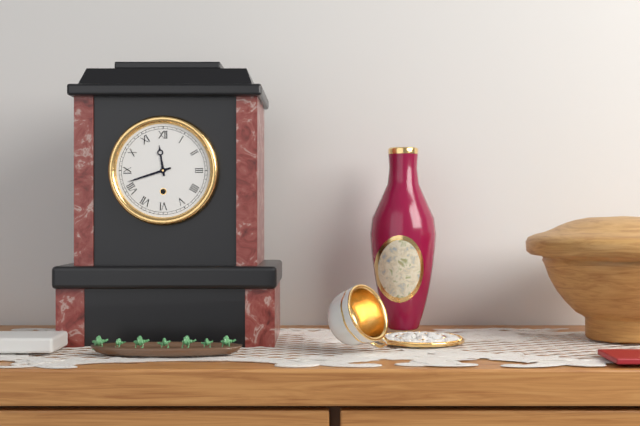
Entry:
11:42
